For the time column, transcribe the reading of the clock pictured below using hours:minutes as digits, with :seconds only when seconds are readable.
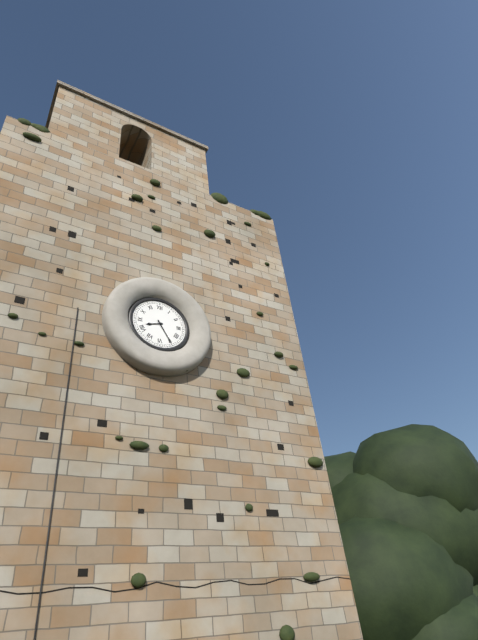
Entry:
8:25
